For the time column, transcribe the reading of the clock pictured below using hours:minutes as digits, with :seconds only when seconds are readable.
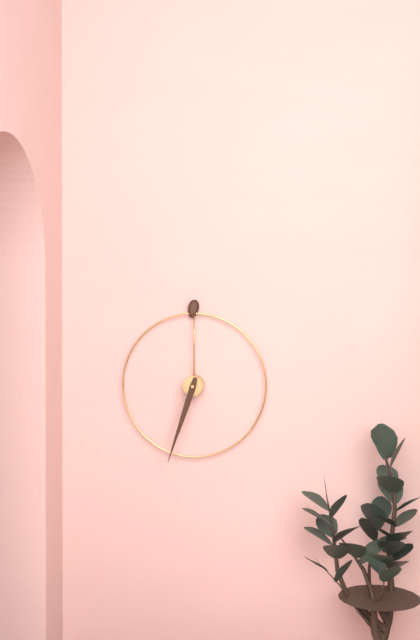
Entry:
6:33
